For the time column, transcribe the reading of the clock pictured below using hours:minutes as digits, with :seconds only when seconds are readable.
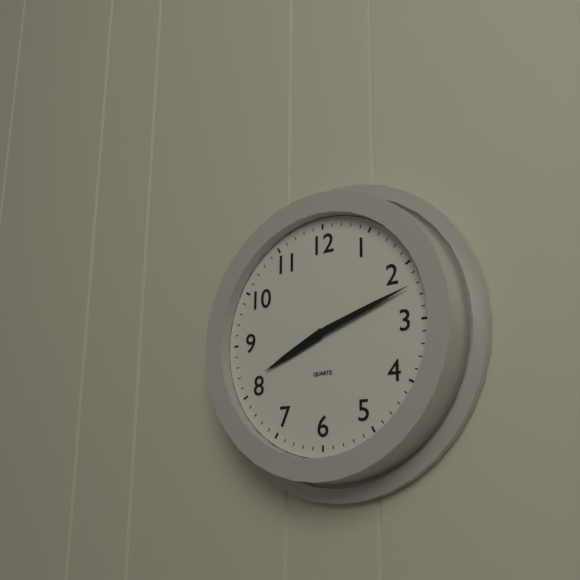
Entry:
8:12
